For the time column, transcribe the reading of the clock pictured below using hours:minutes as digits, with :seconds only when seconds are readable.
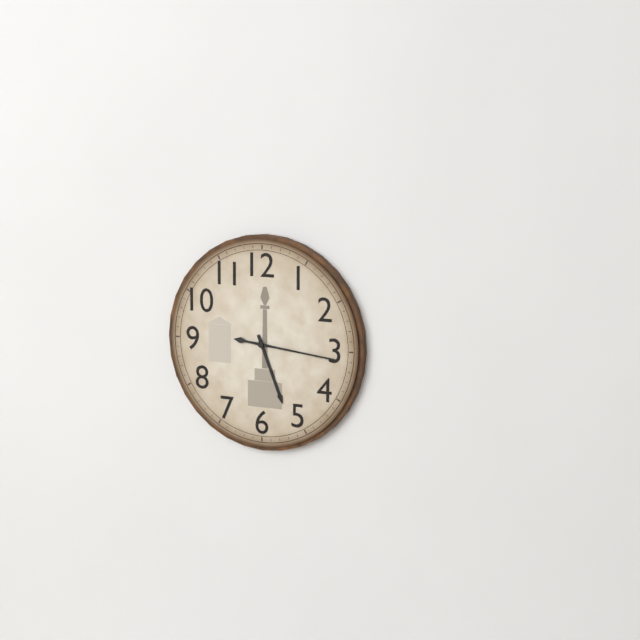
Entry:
5:16
